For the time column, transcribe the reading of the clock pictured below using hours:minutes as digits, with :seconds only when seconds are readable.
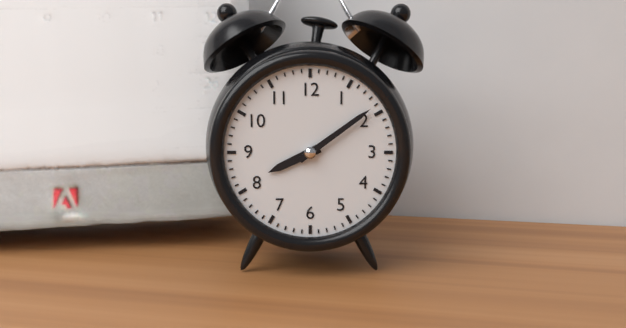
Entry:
8:09
